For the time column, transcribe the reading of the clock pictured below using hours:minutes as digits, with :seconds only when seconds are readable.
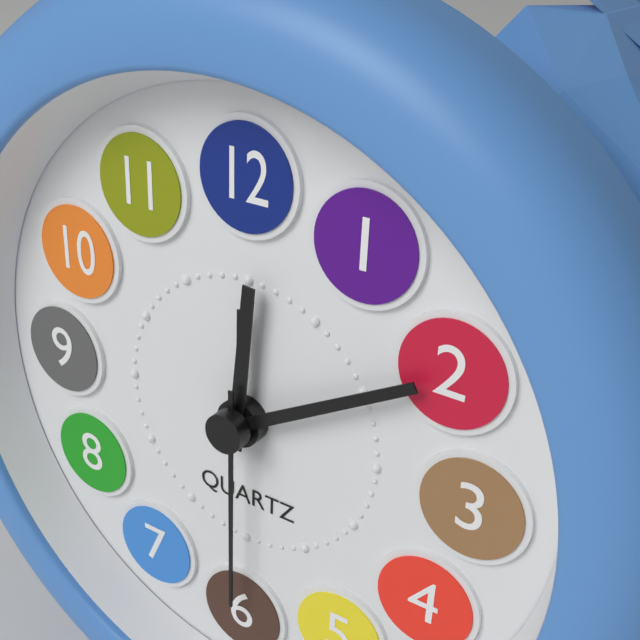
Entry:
12:10:30
